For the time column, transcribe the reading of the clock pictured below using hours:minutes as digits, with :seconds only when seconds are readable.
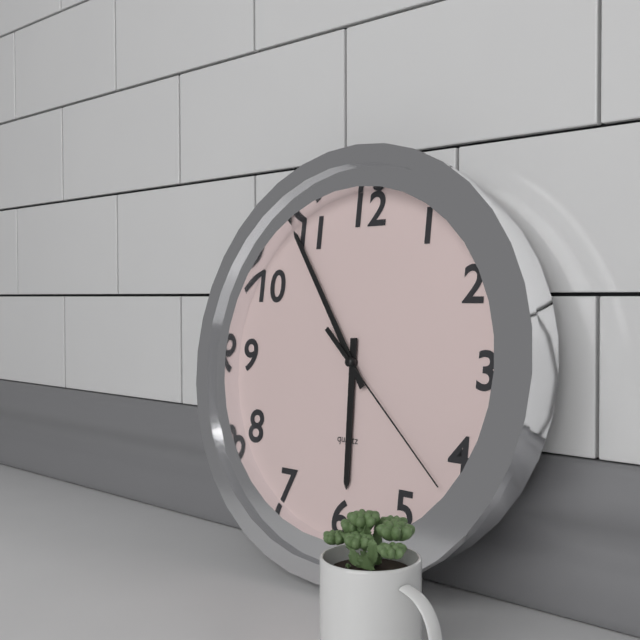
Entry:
5:54:22
